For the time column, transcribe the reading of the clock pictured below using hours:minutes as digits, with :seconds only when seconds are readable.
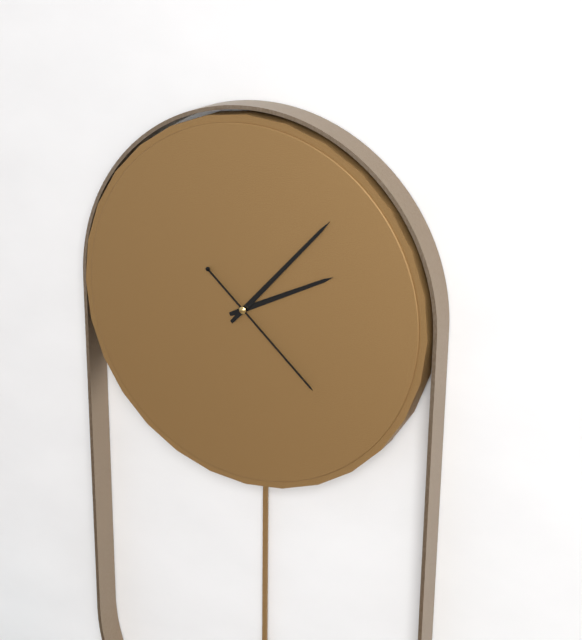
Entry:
2:07:22
